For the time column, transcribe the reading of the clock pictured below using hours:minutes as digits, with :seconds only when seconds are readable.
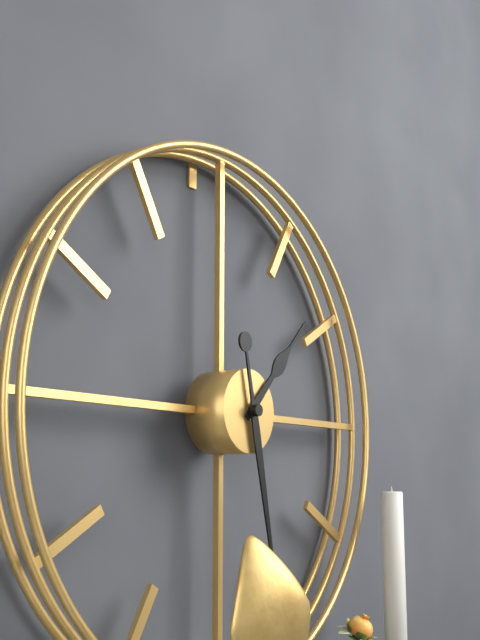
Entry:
1:28
